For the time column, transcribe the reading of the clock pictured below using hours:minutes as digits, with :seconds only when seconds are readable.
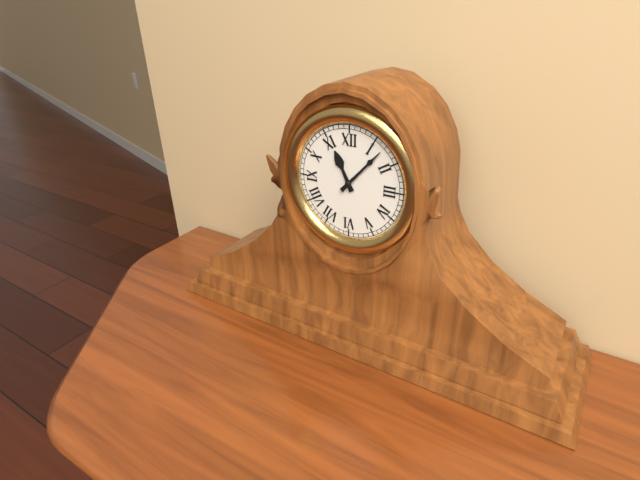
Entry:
11:07
